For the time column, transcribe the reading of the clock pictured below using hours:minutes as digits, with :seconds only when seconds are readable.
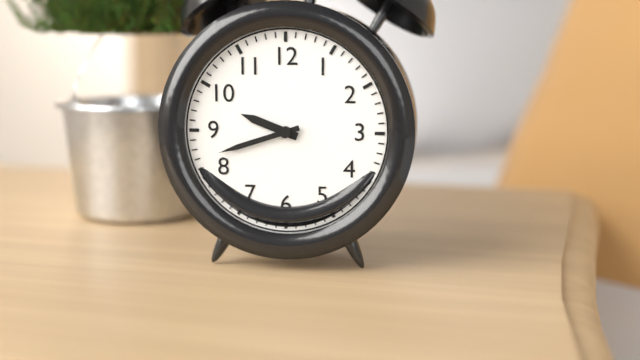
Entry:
9:42
